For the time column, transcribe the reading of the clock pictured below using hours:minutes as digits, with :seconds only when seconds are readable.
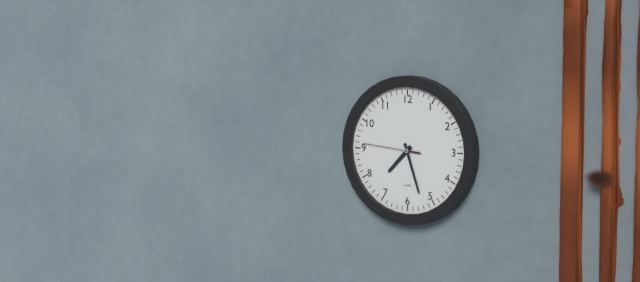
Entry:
7:27:46
